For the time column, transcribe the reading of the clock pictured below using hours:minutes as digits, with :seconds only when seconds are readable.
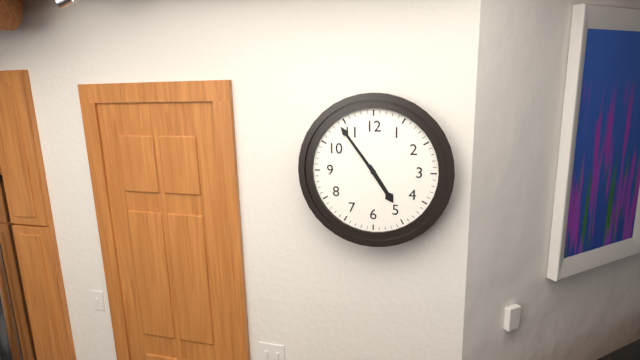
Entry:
4:54
